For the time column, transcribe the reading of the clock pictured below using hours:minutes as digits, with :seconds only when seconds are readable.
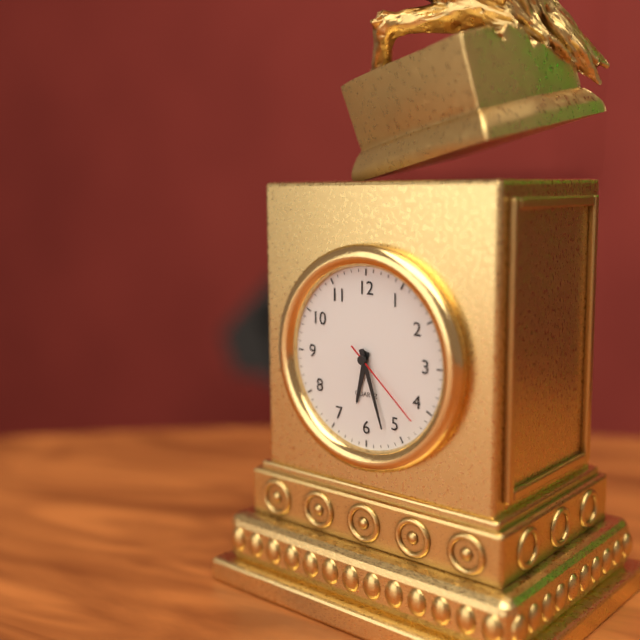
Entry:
6:27:22
